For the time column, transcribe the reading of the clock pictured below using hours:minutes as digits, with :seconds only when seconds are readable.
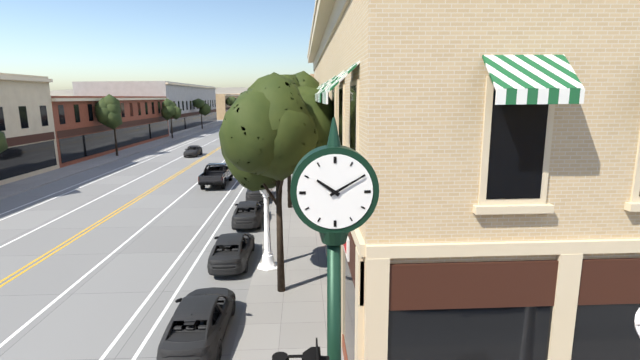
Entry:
10:10
